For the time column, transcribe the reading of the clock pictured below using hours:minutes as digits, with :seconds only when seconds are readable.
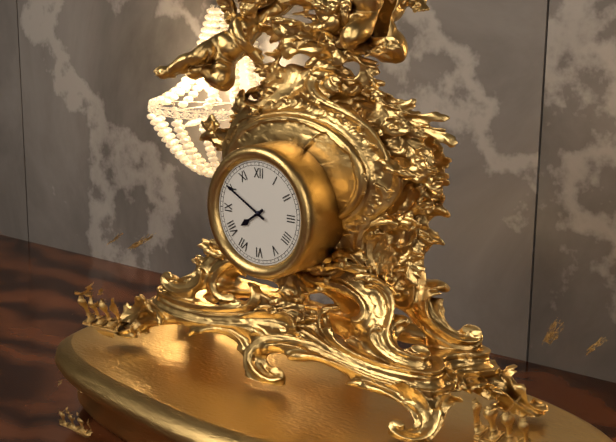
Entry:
7:50
